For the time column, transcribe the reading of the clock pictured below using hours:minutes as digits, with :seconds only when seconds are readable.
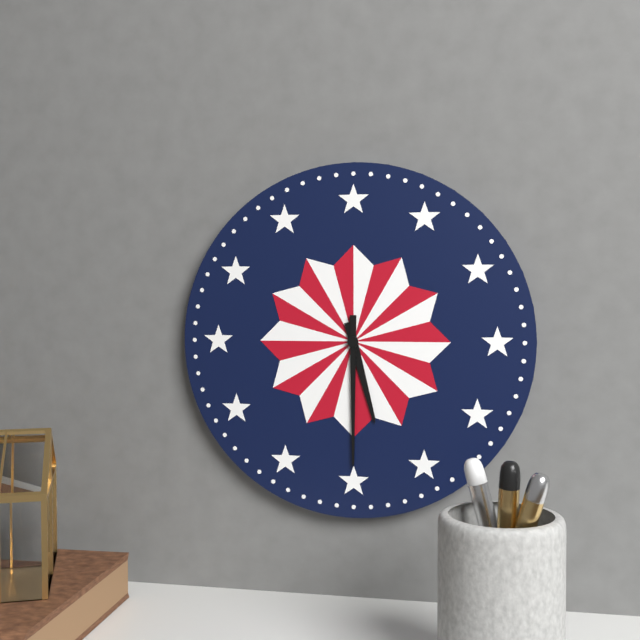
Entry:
5:30
